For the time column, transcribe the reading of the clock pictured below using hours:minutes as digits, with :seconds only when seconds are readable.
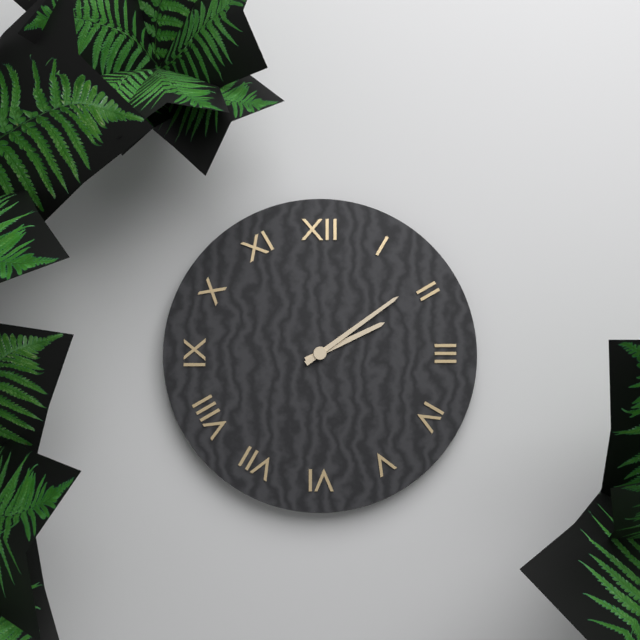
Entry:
2:09
